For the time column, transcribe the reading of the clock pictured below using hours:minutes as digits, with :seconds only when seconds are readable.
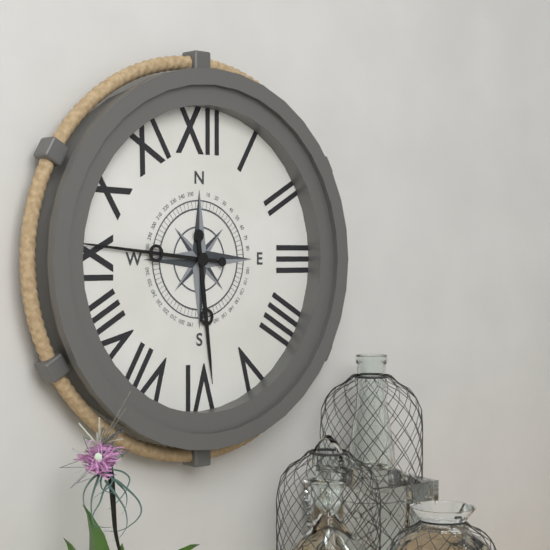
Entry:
5:46
